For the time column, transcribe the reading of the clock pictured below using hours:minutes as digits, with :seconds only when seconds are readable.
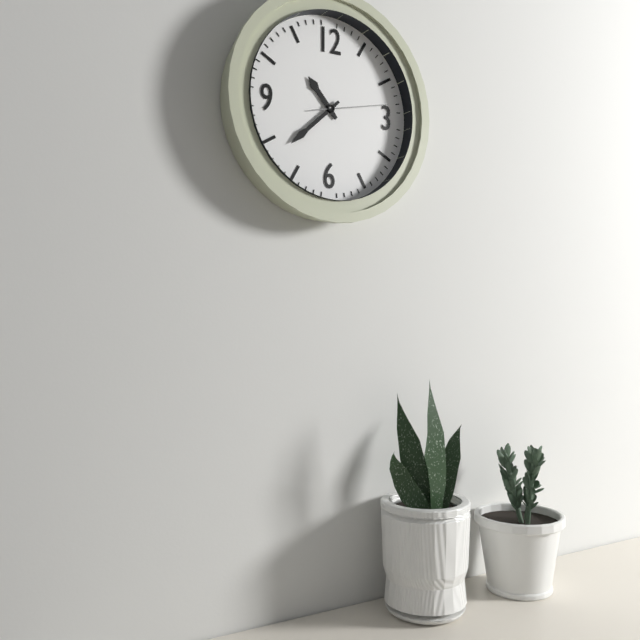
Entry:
10:38:13
